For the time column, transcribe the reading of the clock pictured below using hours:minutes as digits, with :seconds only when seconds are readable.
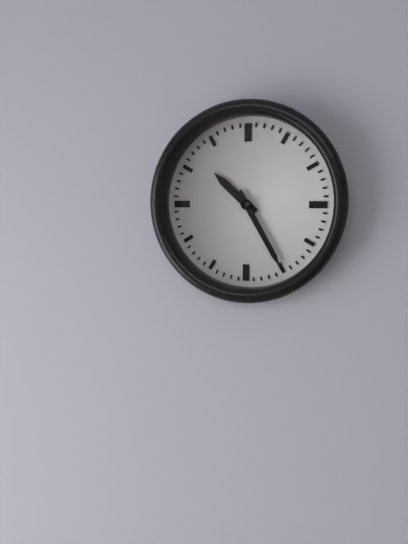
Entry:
10:25
